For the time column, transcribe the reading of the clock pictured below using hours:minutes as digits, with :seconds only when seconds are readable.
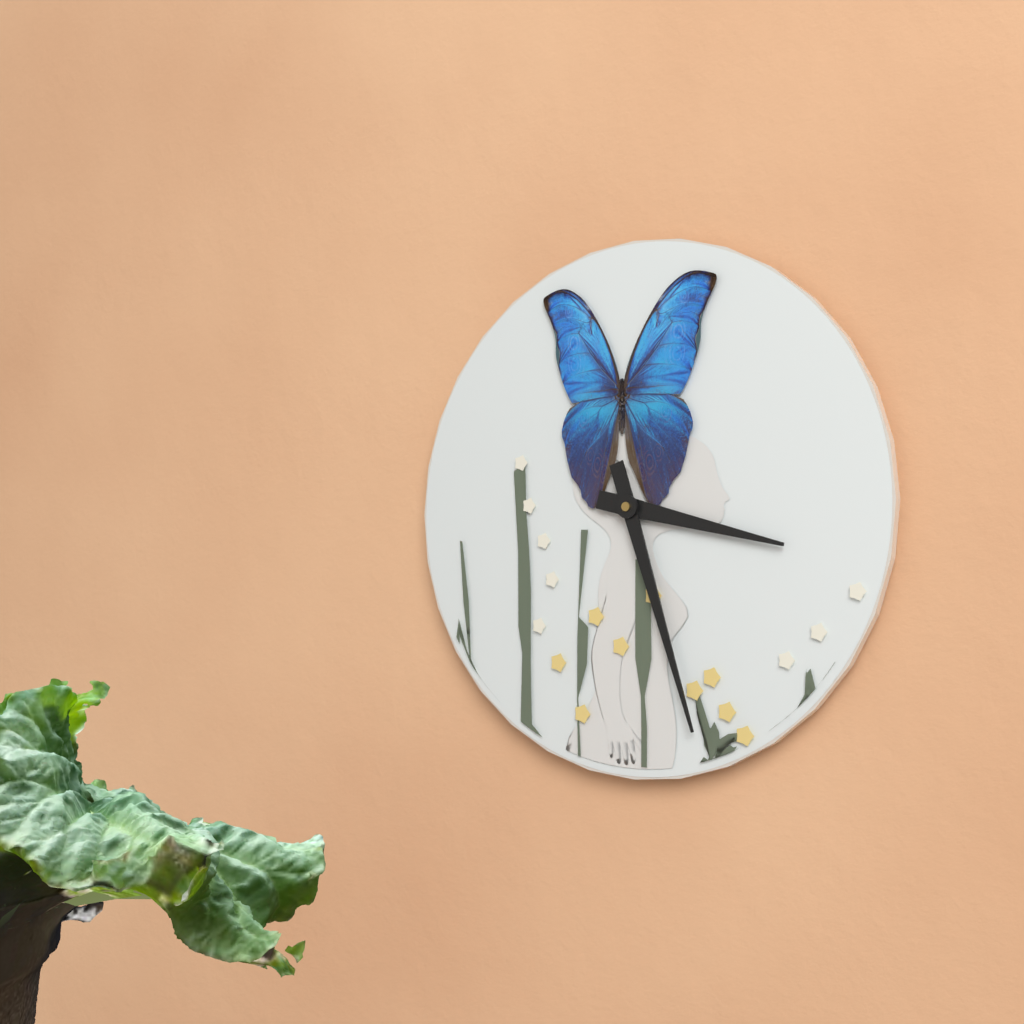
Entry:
3:27
